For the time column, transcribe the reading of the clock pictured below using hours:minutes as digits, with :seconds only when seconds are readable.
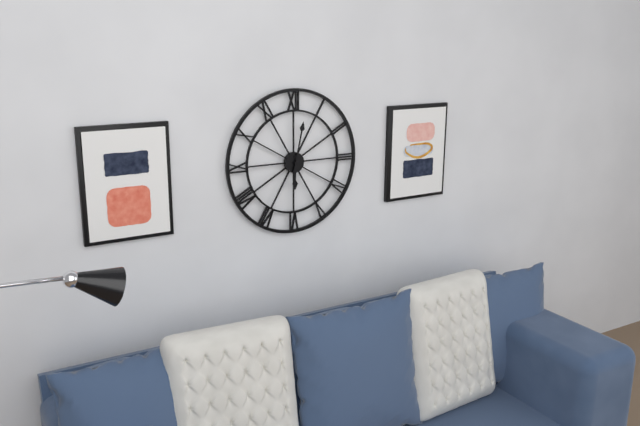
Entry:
6:02
